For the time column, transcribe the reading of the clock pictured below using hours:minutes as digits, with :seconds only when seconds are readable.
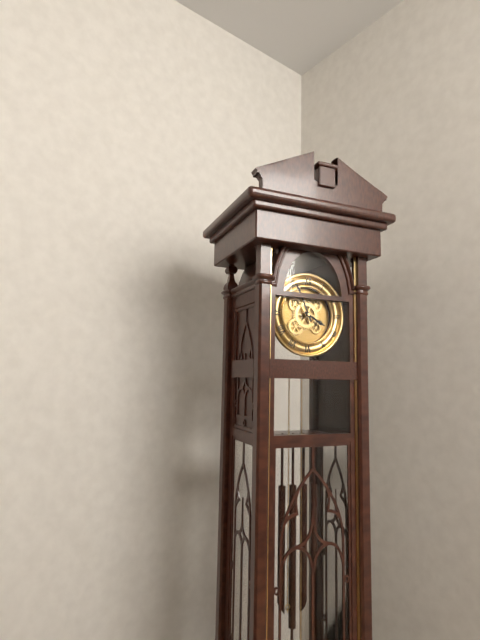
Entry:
3:56
